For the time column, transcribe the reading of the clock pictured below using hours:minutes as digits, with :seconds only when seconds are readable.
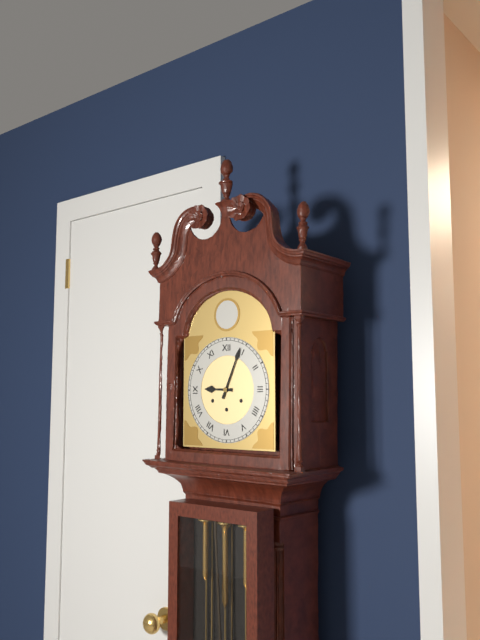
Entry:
9:04
